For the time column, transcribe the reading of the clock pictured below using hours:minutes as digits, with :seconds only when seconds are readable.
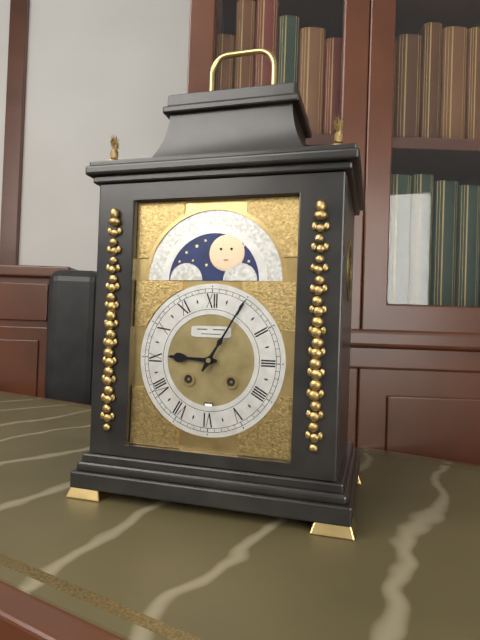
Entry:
9:05
